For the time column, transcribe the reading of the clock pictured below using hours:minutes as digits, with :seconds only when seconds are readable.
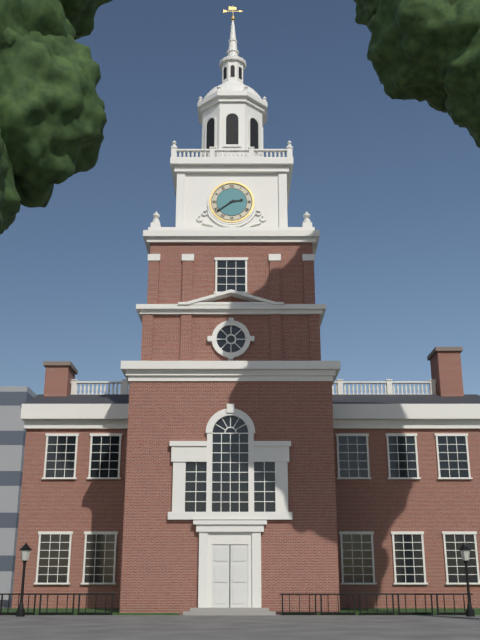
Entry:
2:39
